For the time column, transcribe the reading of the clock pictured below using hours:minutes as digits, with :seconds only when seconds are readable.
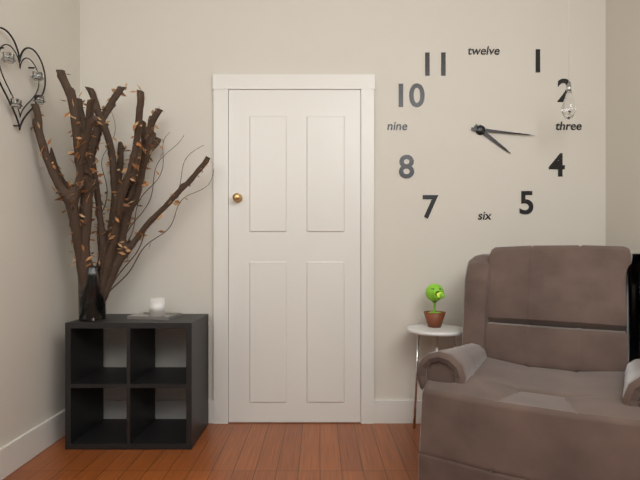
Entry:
4:16
